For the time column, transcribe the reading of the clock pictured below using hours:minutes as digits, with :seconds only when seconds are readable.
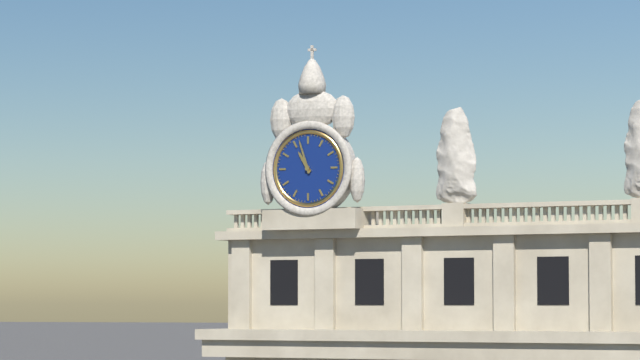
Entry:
10:57
